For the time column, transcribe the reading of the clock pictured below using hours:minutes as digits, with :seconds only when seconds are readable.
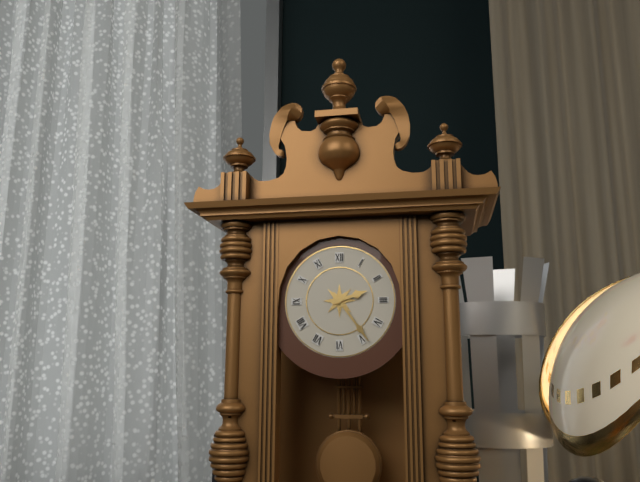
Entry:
2:24
